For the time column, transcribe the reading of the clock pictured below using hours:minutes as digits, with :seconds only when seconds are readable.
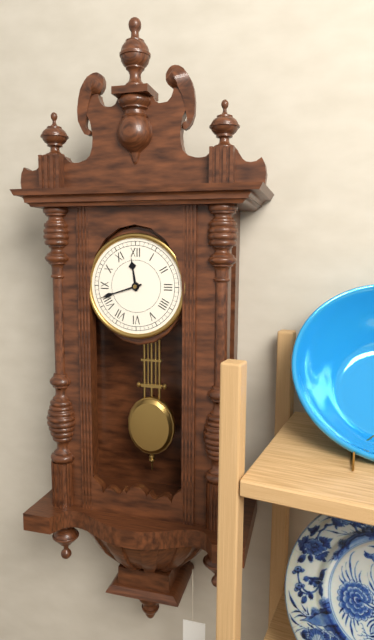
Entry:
11:42
